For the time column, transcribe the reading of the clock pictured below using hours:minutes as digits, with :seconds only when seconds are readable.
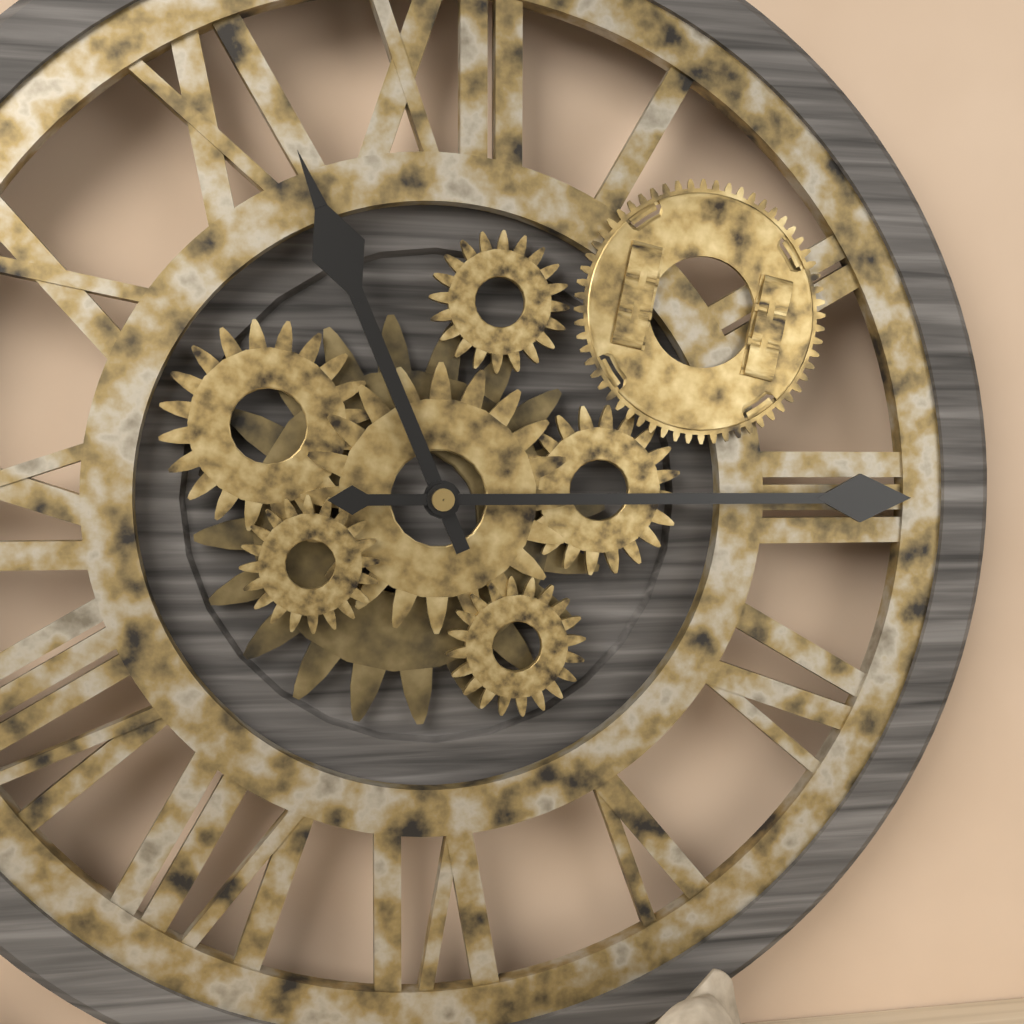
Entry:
11:15
